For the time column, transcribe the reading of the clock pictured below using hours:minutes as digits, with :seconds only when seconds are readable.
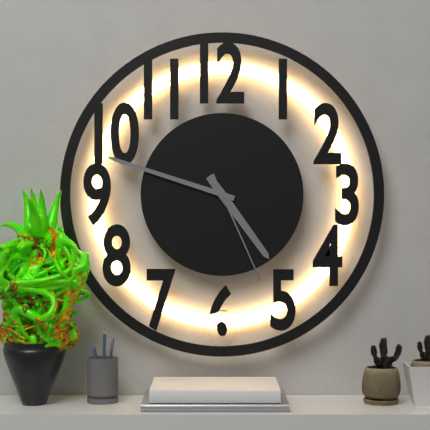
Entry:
4:48:26
